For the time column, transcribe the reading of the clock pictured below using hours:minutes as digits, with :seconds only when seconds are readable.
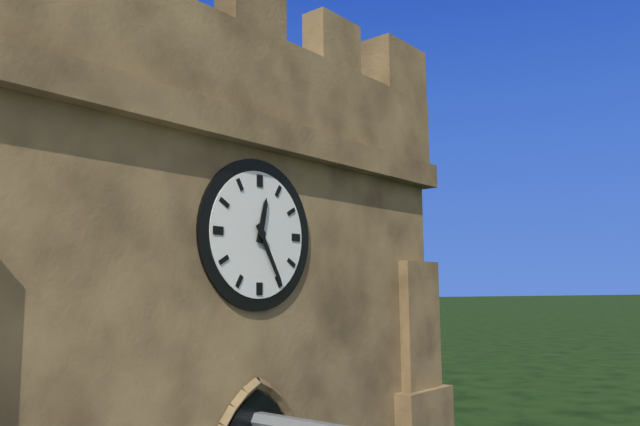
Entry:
12:25
